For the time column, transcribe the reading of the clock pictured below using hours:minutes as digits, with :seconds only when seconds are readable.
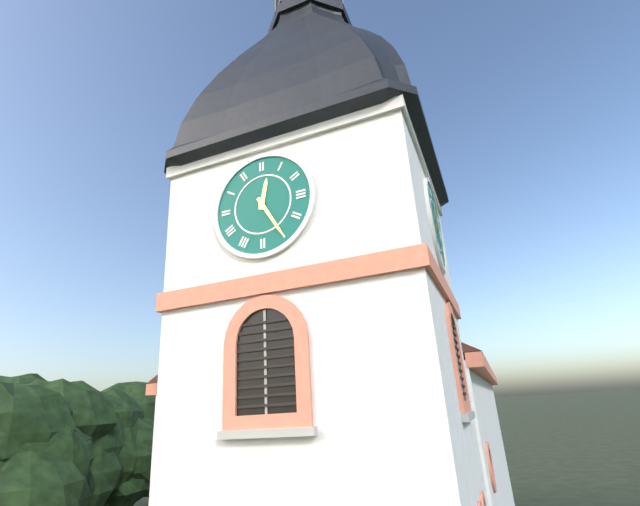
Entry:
12:25
